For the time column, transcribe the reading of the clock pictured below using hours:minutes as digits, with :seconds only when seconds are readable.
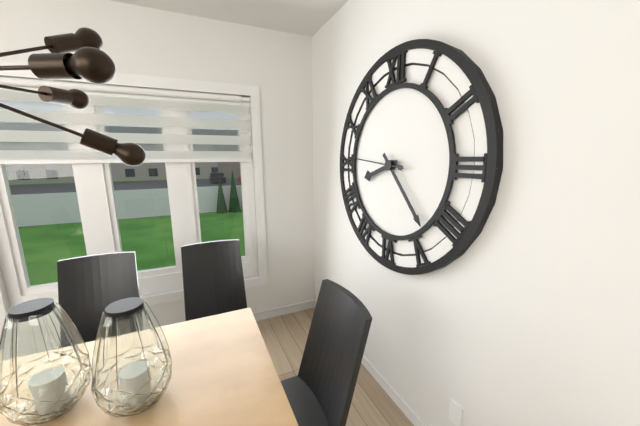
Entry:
8:23:46
